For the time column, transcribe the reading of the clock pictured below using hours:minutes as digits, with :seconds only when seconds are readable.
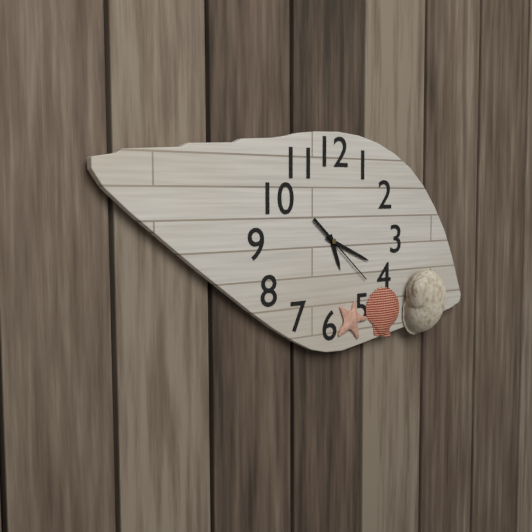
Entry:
5:19:22
